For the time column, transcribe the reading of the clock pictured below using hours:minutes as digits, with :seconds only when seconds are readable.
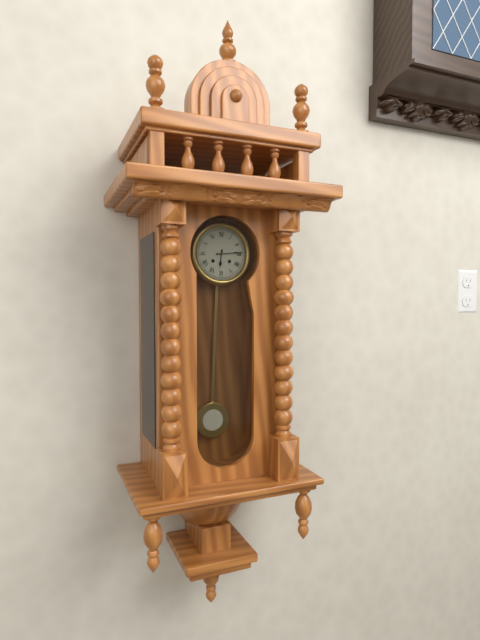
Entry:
6:14
